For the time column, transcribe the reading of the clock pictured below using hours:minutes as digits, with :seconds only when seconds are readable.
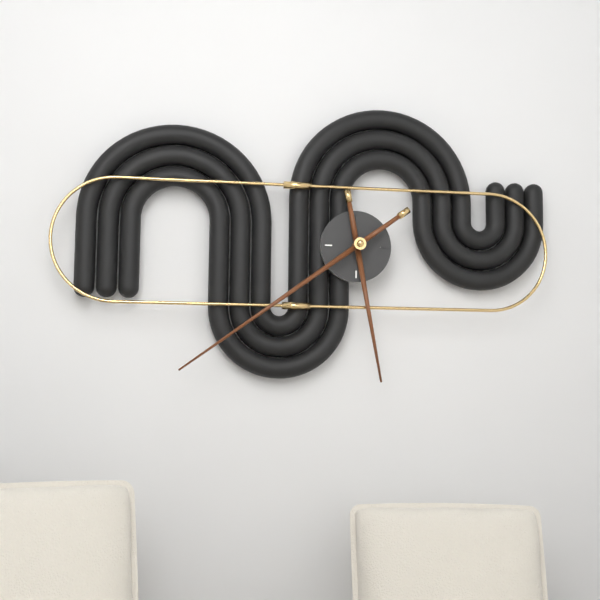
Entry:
5:39
